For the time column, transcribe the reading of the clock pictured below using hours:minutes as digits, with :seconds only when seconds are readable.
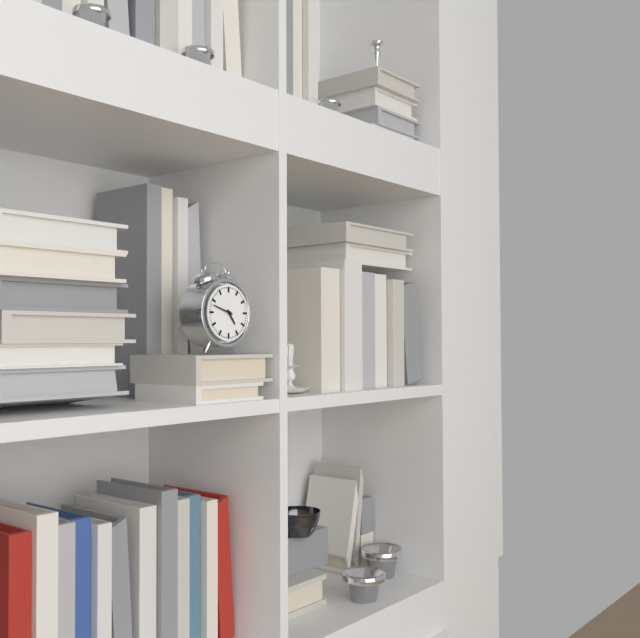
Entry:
4:48
